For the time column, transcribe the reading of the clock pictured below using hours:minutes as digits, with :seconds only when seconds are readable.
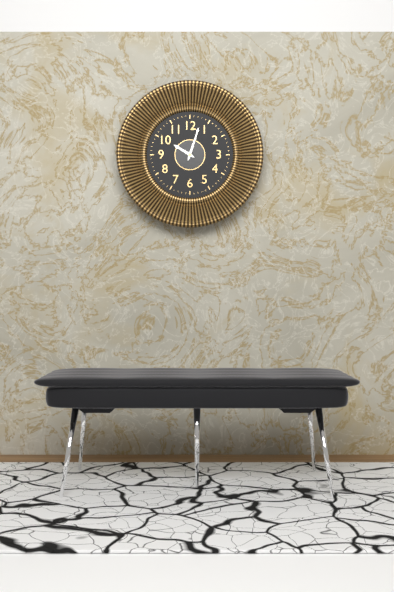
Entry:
10:03
